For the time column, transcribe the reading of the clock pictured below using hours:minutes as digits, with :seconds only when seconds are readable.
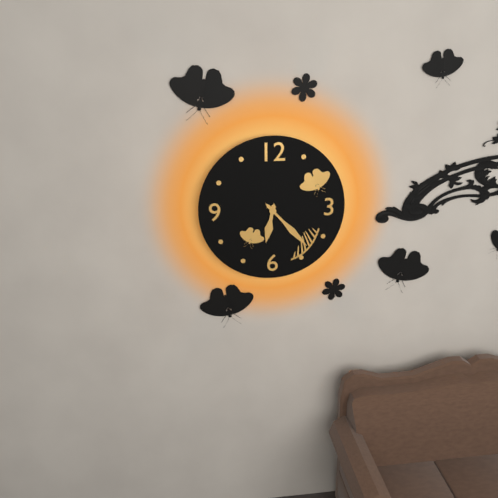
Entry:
6:23
